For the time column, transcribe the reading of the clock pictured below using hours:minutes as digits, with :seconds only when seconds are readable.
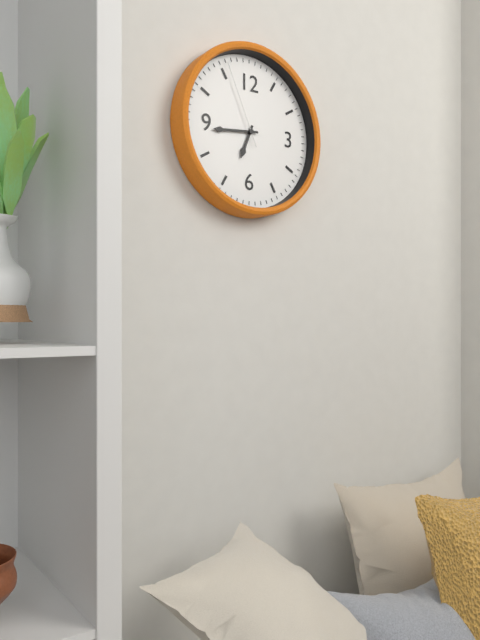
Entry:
6:44:56
